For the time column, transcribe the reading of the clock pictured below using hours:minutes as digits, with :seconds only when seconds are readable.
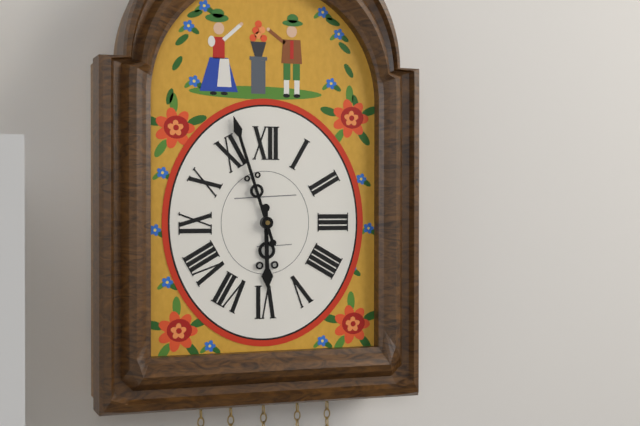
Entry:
5:57
